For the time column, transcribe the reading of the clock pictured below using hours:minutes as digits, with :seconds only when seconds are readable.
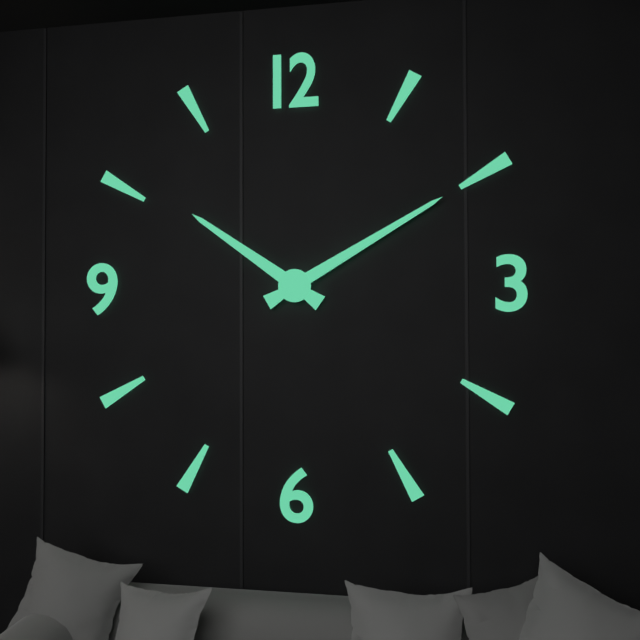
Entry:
10:10
